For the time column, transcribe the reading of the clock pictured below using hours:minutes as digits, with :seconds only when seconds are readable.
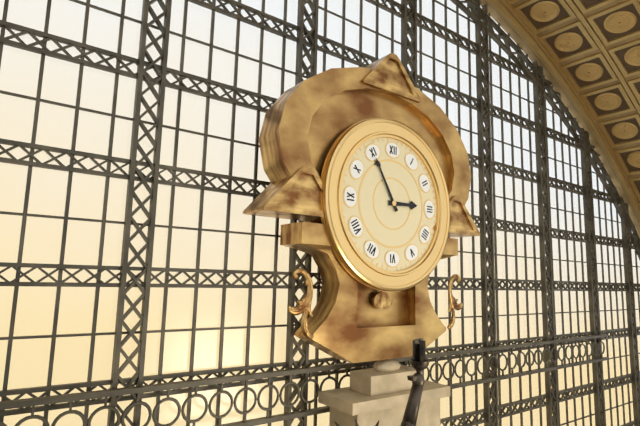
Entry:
2:55
